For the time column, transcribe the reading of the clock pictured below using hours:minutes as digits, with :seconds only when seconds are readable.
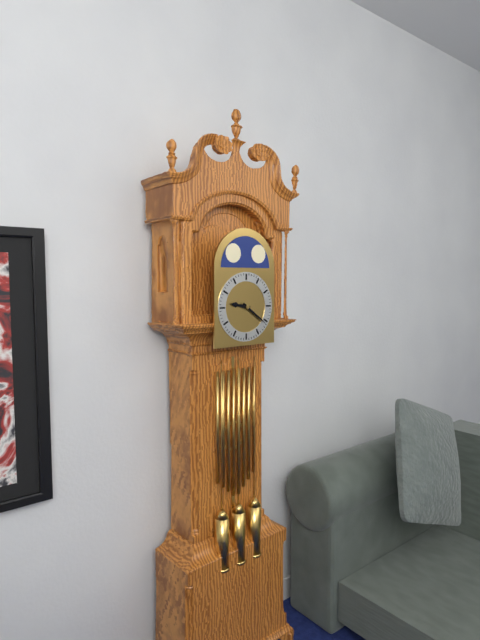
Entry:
9:21
